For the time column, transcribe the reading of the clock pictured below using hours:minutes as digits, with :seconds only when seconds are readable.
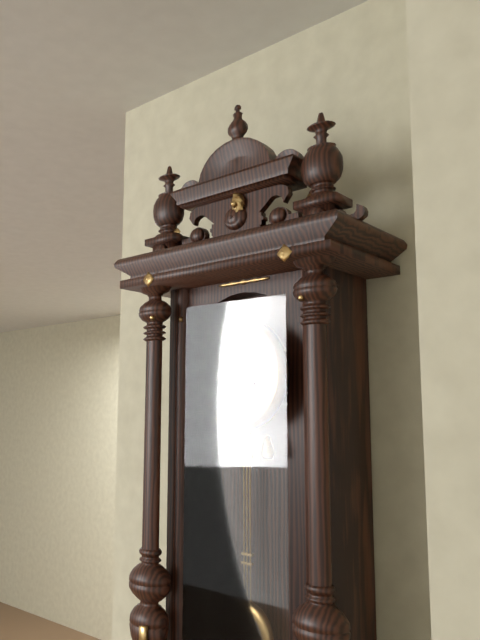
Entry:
9:33
